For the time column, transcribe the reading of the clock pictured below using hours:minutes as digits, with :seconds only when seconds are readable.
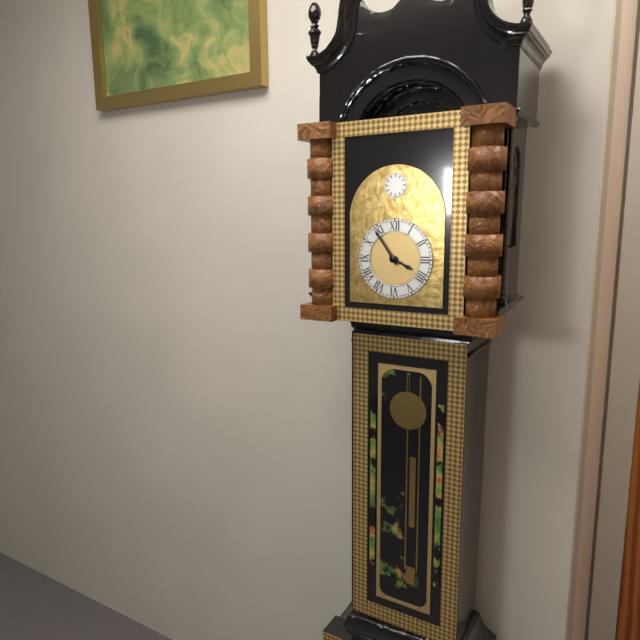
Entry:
3:54
